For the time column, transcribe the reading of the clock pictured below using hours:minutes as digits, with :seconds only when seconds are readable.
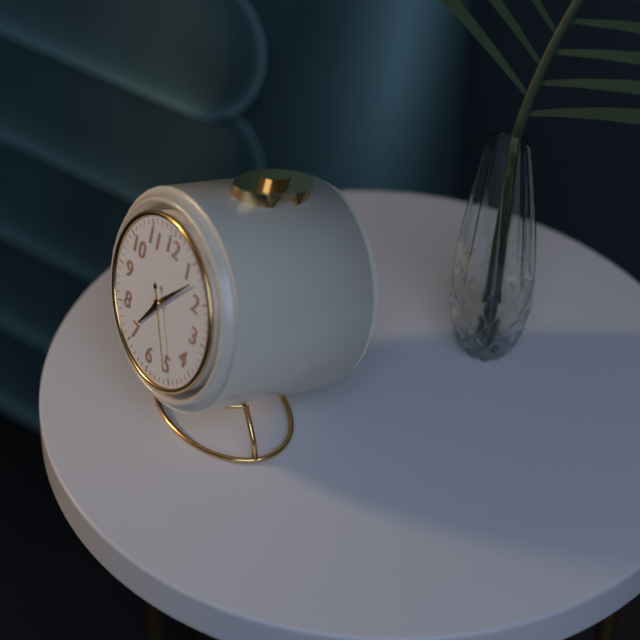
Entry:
7:07:25
